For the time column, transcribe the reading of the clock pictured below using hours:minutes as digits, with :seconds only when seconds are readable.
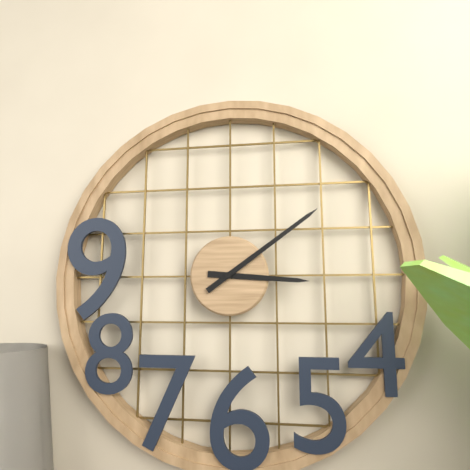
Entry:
3:09
